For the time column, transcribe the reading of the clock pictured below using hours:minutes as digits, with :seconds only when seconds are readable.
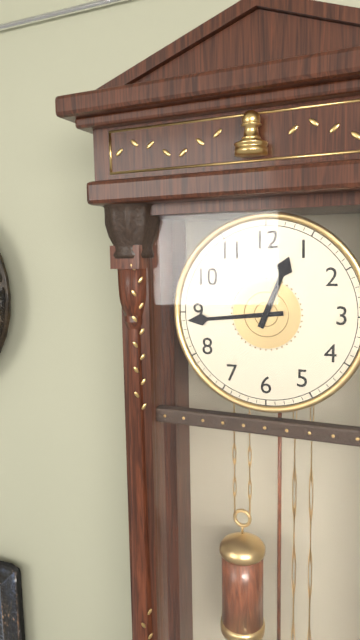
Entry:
12:44
